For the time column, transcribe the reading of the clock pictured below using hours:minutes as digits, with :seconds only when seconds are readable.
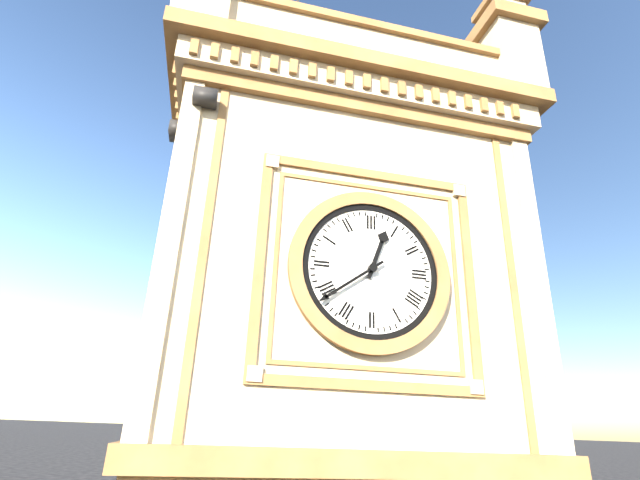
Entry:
12:39
